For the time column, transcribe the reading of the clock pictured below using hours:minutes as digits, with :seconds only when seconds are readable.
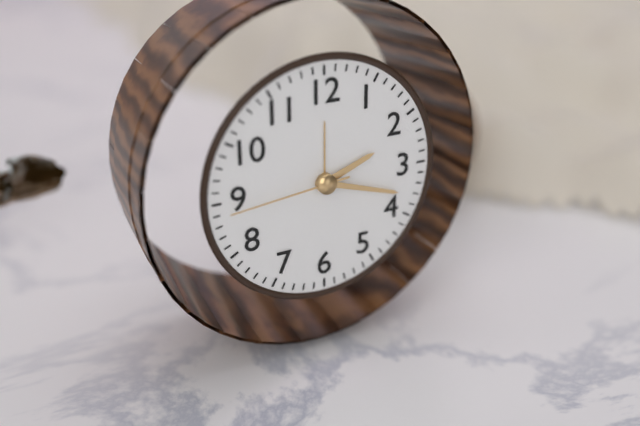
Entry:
2:18:44
